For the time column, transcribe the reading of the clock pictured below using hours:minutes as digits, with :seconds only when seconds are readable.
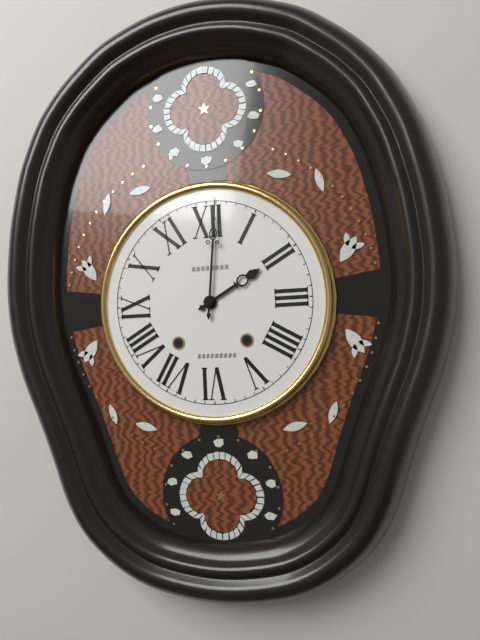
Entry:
2:01
